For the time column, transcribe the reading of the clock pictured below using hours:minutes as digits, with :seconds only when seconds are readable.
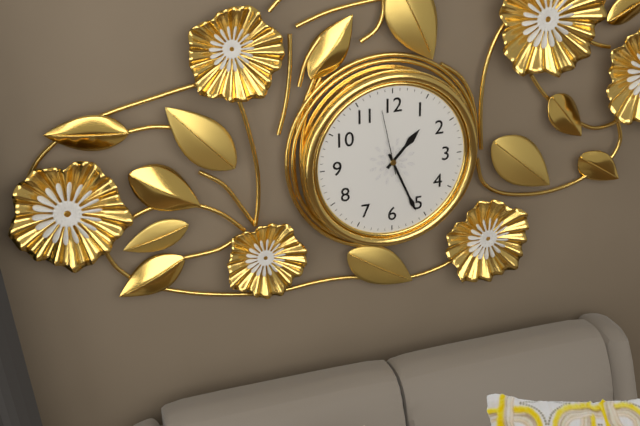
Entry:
1:26:58
